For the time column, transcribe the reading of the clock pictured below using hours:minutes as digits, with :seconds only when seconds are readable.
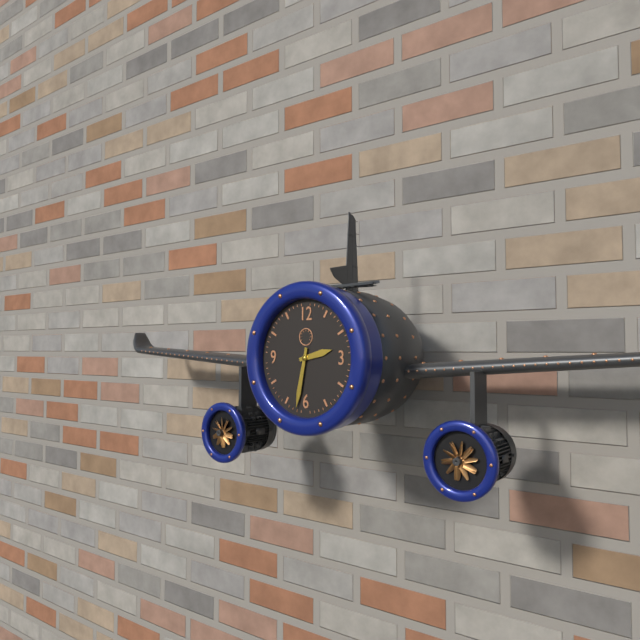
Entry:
2:32
